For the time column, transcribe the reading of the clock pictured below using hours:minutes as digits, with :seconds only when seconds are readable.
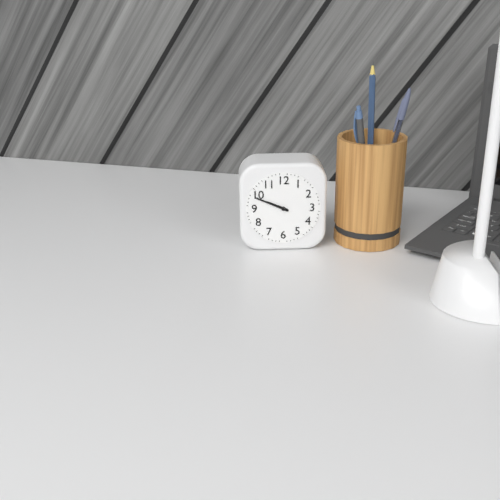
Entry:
9:49
